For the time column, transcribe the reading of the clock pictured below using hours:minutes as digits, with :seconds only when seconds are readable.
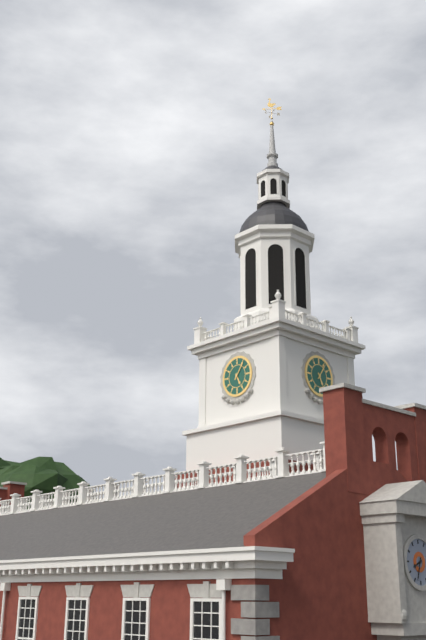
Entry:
5:06
